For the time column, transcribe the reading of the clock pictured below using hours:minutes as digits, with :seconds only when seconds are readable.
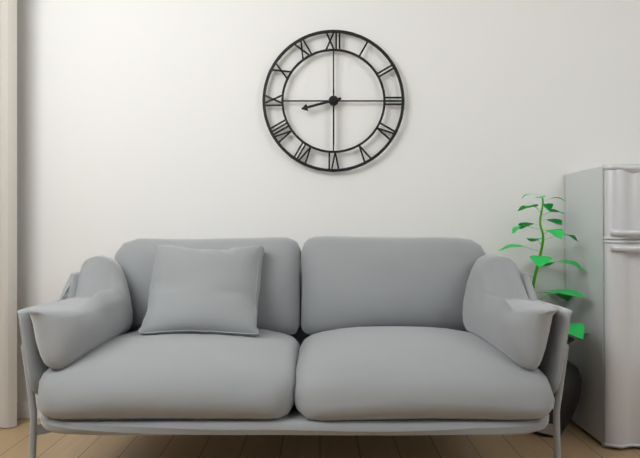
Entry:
8:30
